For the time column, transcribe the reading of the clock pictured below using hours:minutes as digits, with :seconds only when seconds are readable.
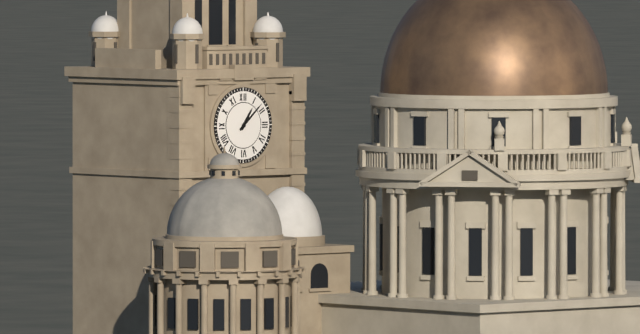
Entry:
1:08
